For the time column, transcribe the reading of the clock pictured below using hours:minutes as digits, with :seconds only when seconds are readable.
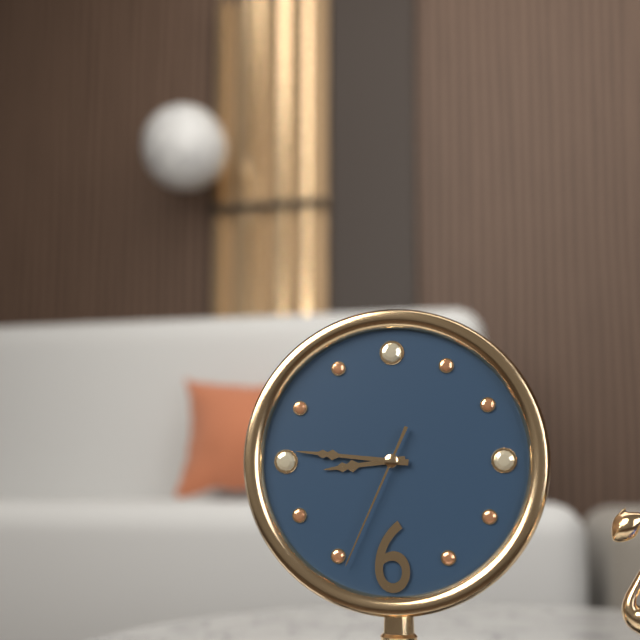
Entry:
8:46:34
